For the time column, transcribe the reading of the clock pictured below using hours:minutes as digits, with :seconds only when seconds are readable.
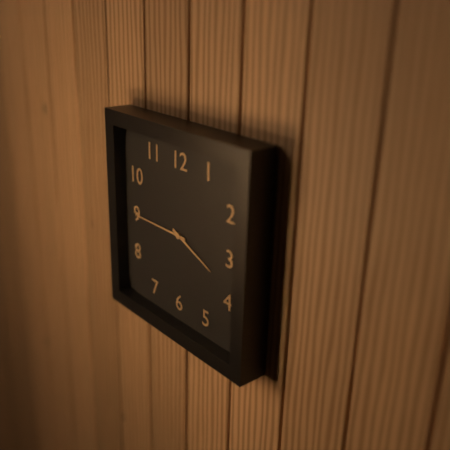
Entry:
3:45
